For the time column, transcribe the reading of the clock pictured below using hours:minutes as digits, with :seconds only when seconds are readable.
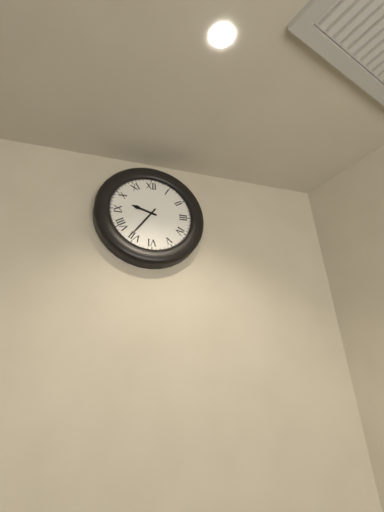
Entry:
9:36
